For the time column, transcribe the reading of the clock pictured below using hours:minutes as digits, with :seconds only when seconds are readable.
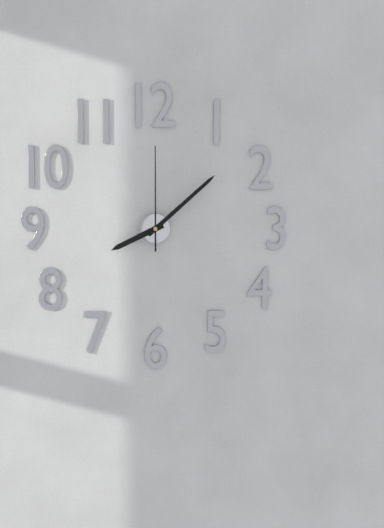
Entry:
8:08:00
